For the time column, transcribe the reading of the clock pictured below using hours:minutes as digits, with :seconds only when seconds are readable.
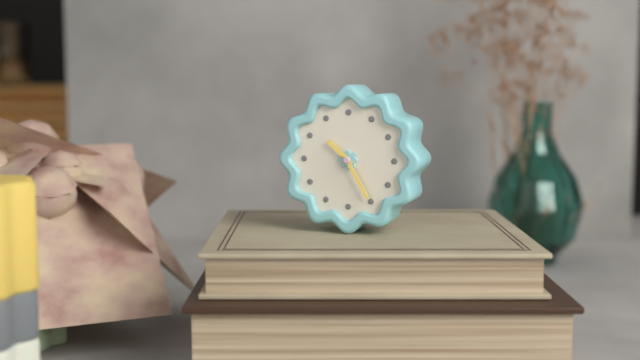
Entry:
10:25
